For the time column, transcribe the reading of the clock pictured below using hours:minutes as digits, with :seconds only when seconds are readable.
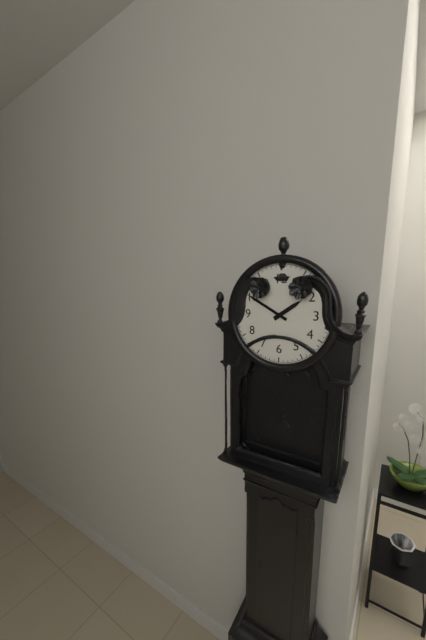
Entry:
1:50
